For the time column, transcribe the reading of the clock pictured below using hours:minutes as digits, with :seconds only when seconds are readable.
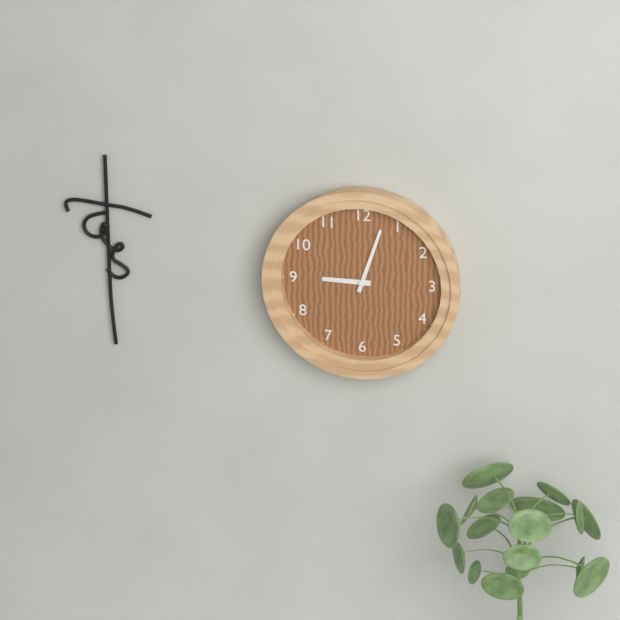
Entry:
9:03
